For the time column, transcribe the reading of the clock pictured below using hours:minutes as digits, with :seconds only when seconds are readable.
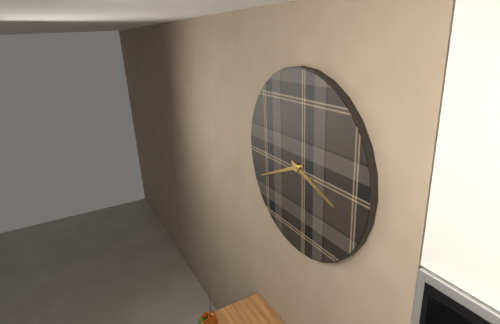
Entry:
3:41
